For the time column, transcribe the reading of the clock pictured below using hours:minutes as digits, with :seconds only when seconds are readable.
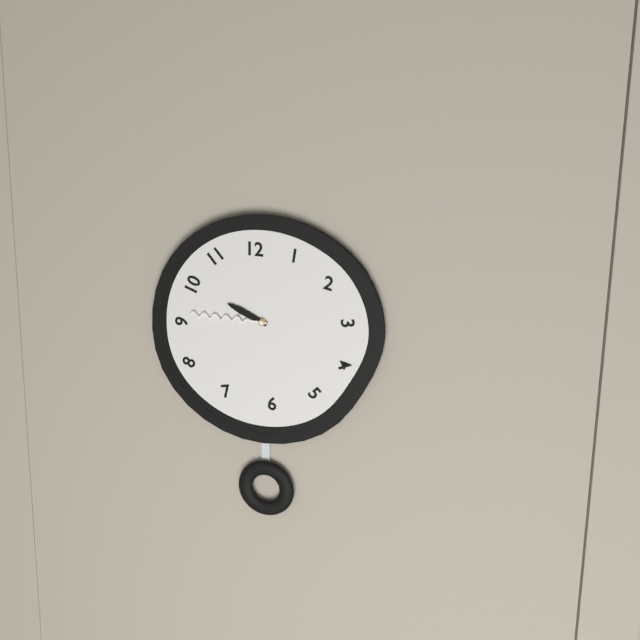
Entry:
9:45
